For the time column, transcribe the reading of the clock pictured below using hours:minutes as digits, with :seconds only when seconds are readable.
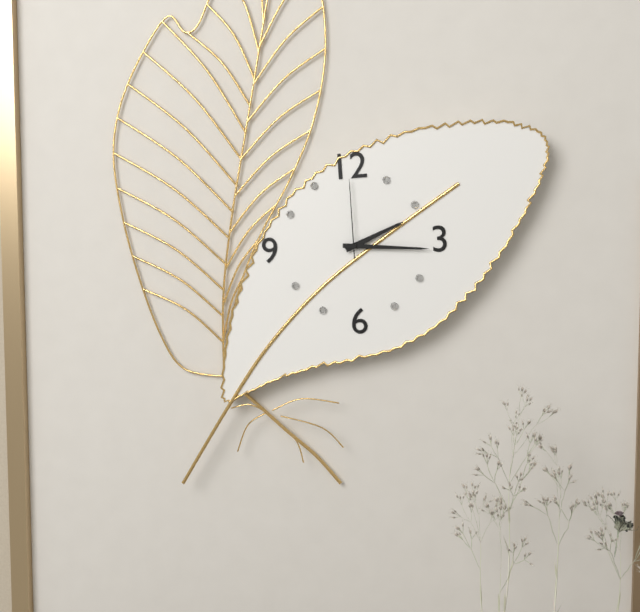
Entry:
2:16:00
